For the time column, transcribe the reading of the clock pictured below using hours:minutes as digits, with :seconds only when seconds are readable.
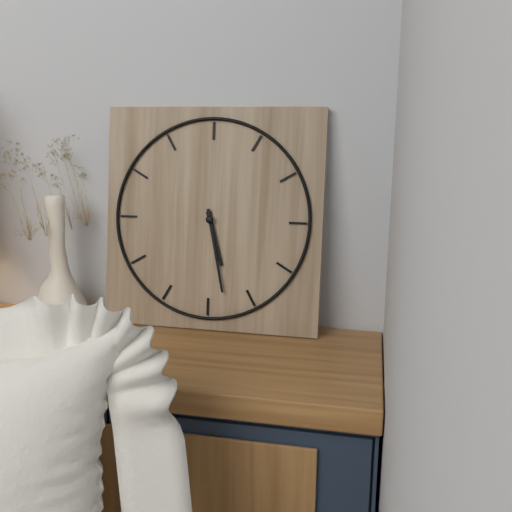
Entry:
5:28
